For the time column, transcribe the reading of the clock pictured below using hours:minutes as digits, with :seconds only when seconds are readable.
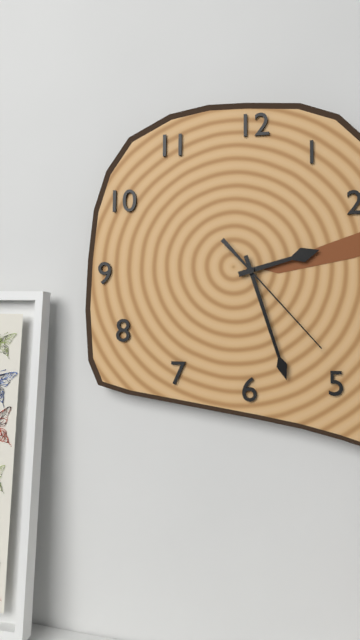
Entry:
2:27:23
